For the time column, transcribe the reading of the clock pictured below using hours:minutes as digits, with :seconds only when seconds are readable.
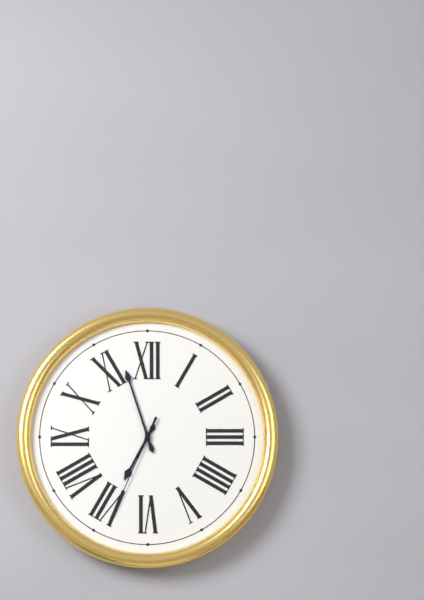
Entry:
6:57:34
